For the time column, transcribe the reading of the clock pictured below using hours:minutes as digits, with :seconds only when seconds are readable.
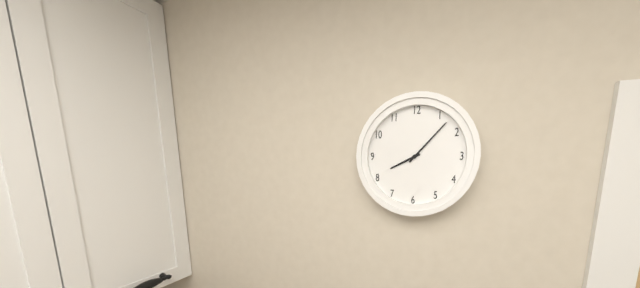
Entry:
8:07
